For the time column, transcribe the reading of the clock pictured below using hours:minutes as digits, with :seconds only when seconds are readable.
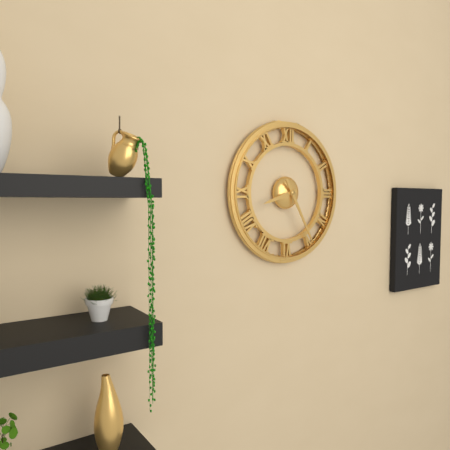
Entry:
8:25
